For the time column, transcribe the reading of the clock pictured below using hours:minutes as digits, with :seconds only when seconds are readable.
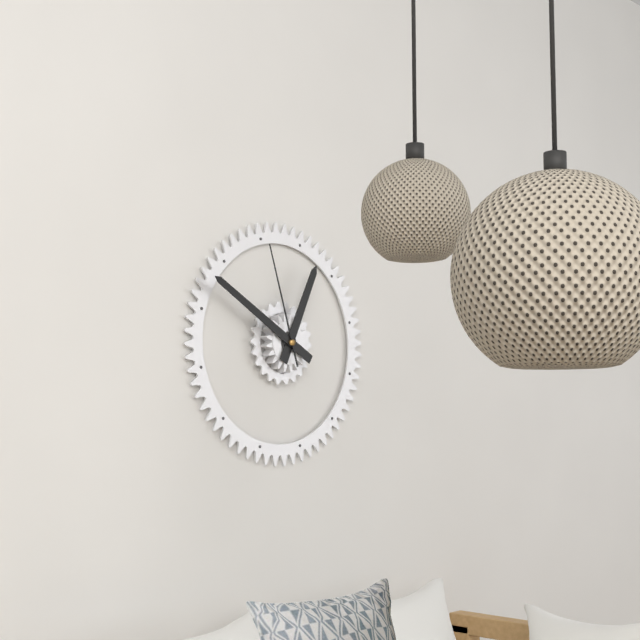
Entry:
12:50:57
